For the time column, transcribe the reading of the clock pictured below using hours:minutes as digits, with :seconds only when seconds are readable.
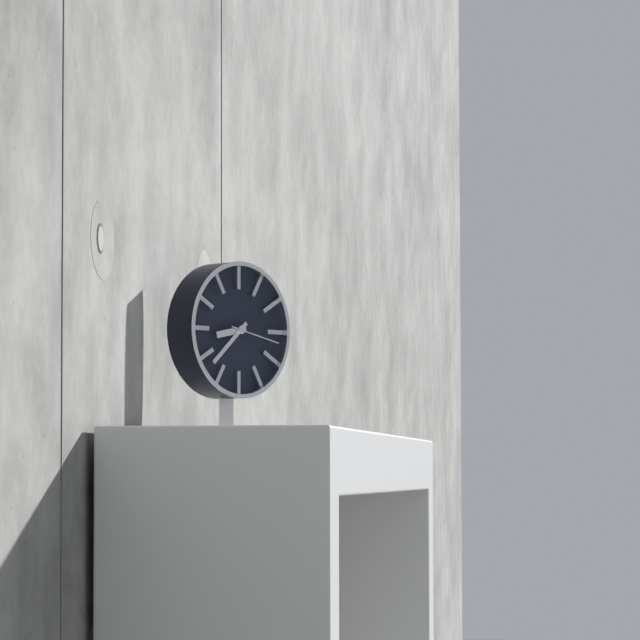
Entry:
8:38:17
